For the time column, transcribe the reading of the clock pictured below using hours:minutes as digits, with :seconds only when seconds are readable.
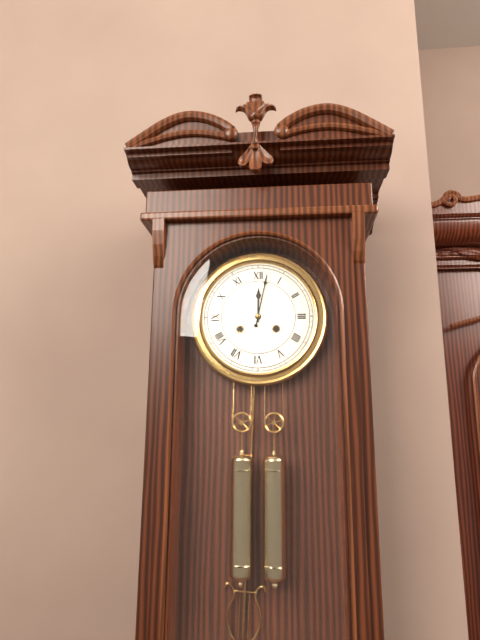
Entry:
12:02
